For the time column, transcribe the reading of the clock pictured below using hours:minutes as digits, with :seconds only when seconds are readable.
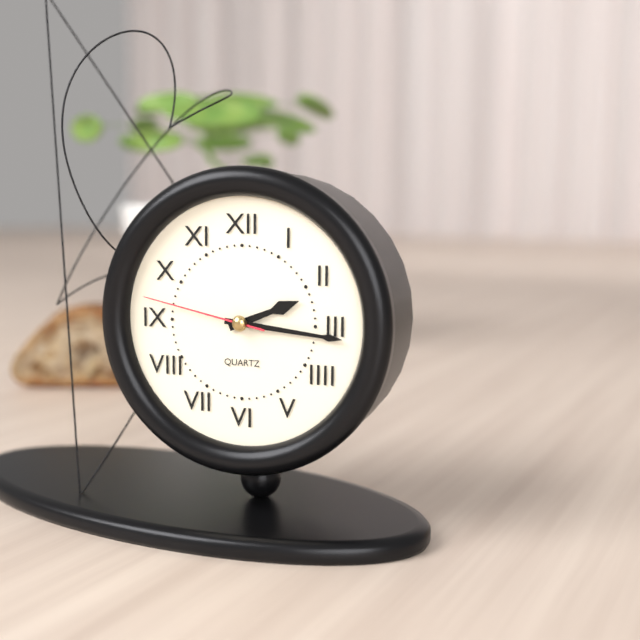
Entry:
2:16:47
